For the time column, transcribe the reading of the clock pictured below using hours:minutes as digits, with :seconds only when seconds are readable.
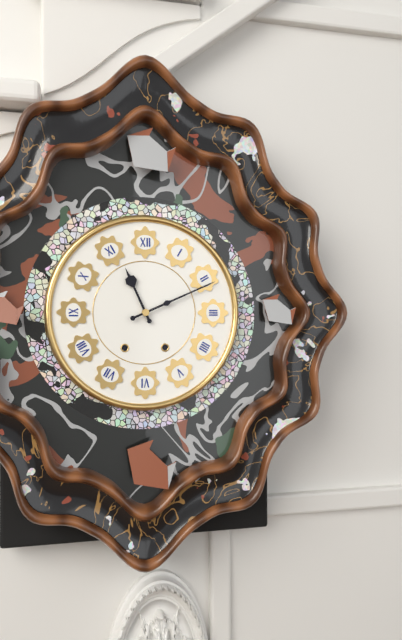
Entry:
11:11
